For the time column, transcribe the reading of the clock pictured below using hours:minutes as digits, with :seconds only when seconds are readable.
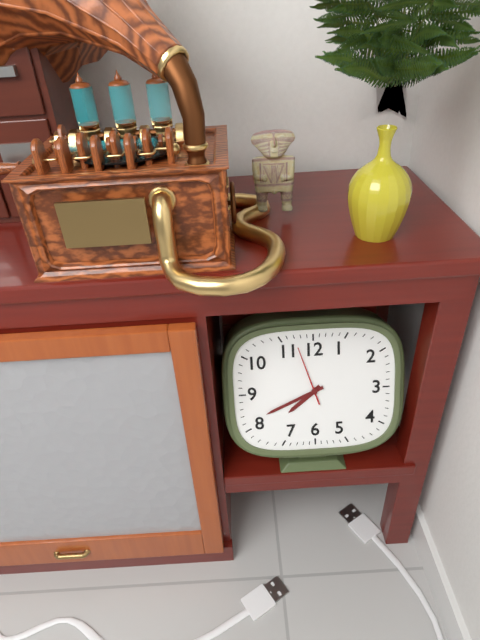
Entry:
7:41
